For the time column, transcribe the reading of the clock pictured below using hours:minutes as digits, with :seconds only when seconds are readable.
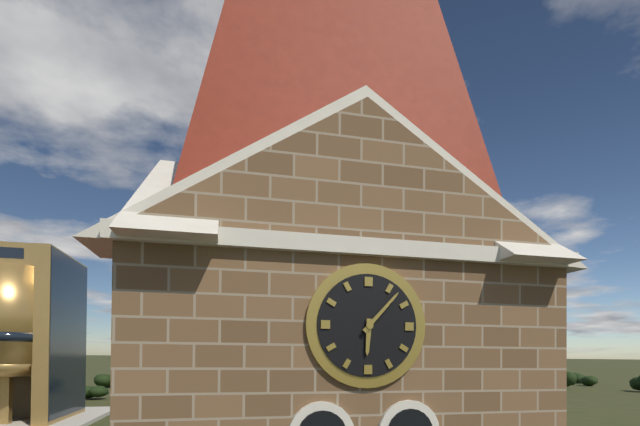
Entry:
6:07
